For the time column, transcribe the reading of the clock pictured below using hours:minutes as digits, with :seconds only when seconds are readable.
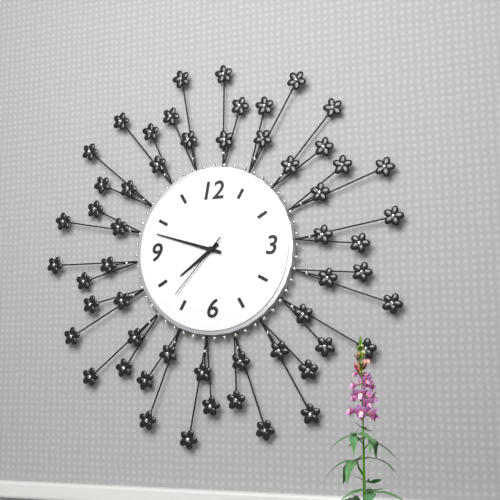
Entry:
7:48:37
